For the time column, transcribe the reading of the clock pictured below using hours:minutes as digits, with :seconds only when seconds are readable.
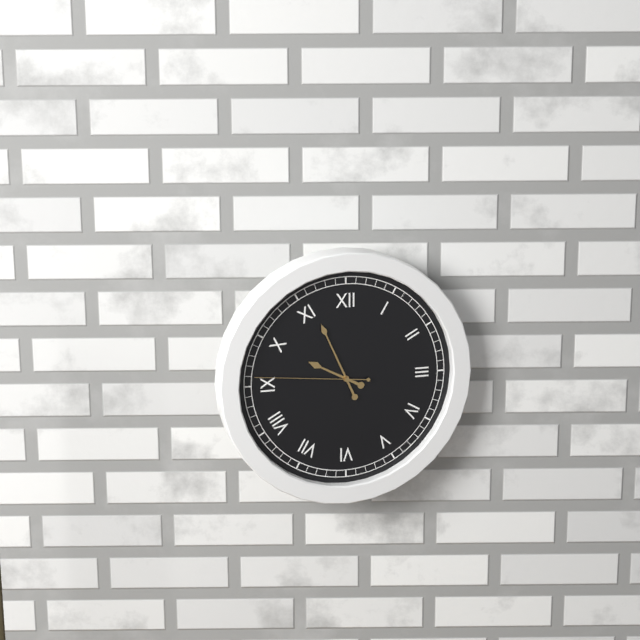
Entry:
9:56:46
